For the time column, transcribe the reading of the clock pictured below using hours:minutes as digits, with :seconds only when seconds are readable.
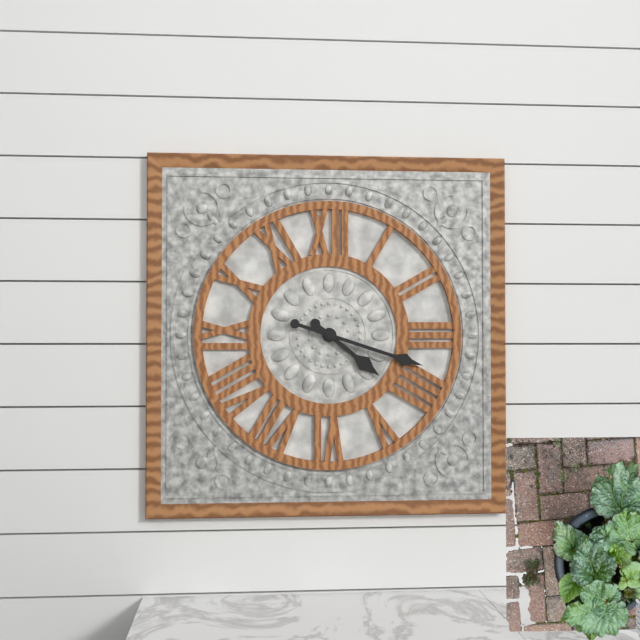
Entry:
4:18
